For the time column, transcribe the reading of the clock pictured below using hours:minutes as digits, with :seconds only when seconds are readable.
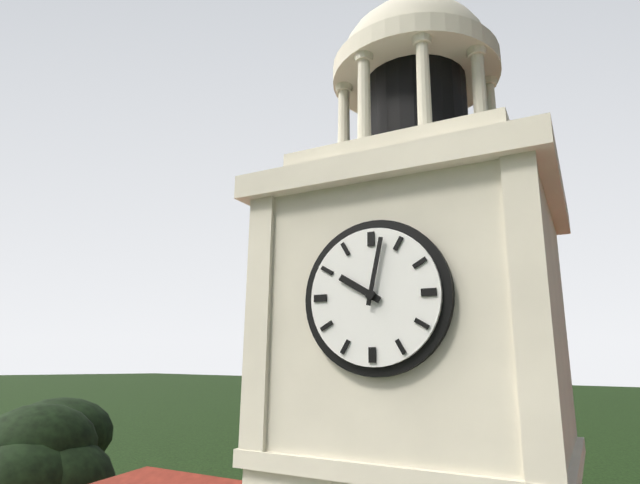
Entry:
10:02
